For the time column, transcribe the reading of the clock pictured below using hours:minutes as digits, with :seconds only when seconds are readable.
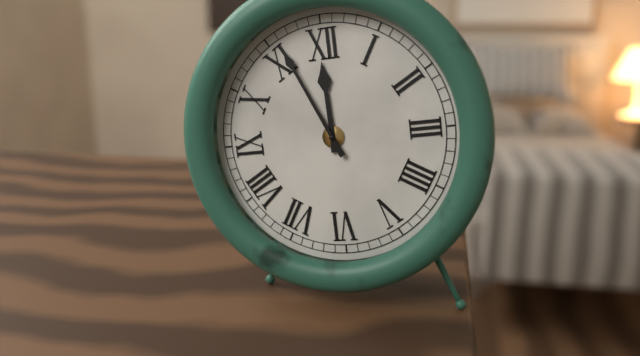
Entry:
11:56
